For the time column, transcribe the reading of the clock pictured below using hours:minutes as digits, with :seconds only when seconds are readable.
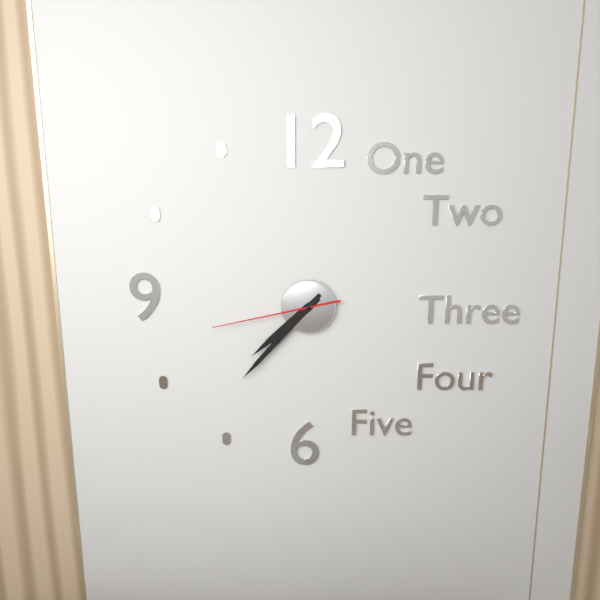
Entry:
7:37:43
